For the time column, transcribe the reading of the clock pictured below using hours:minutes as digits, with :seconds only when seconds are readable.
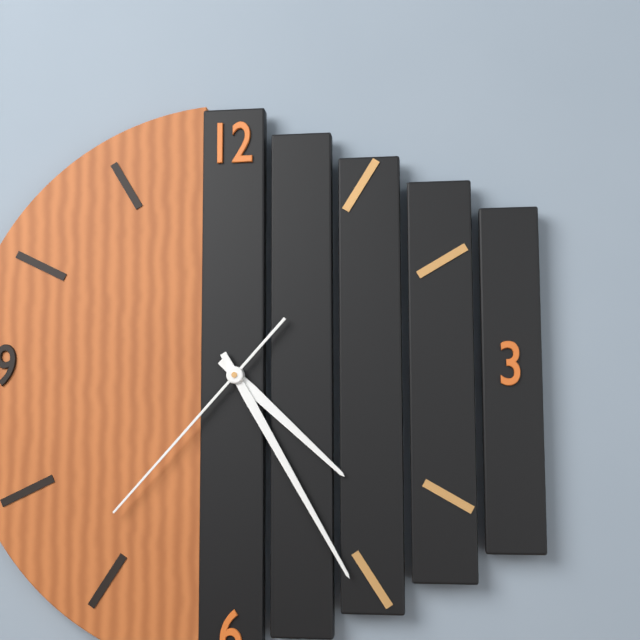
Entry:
4:25:37
